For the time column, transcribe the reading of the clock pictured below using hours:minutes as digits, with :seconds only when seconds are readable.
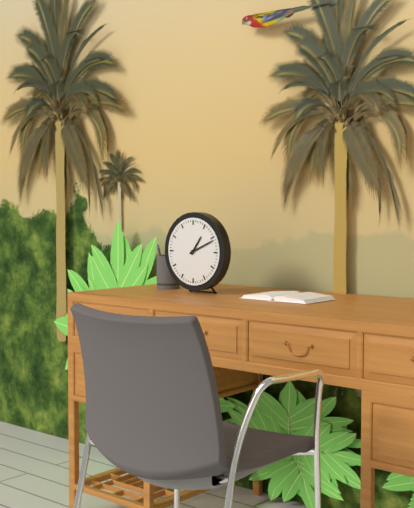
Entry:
1:11
